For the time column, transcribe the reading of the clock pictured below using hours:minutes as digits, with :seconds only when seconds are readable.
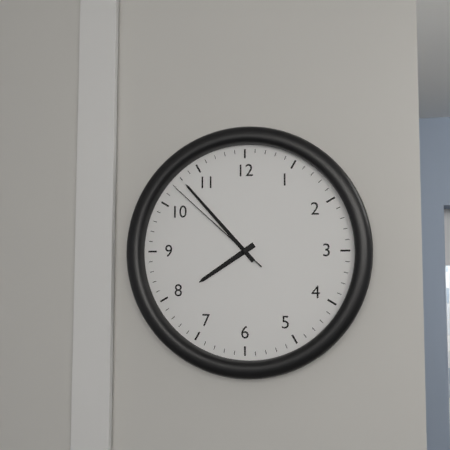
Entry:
7:53:52
